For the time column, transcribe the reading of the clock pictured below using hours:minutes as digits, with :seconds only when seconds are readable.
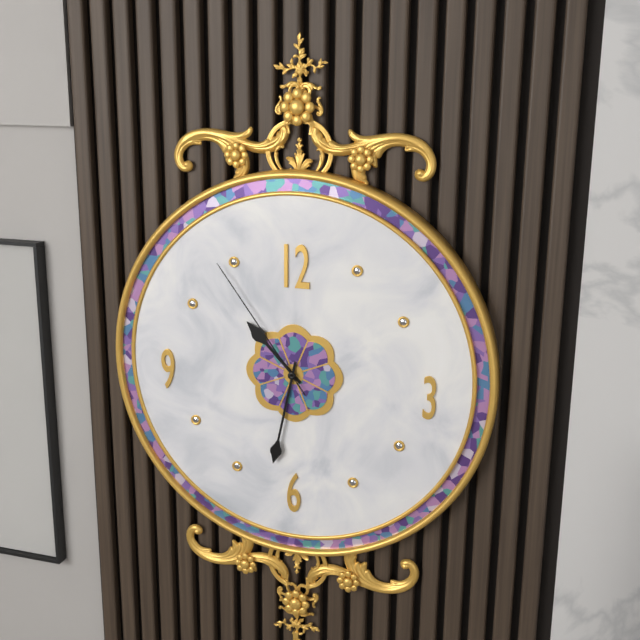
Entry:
10:32:54
